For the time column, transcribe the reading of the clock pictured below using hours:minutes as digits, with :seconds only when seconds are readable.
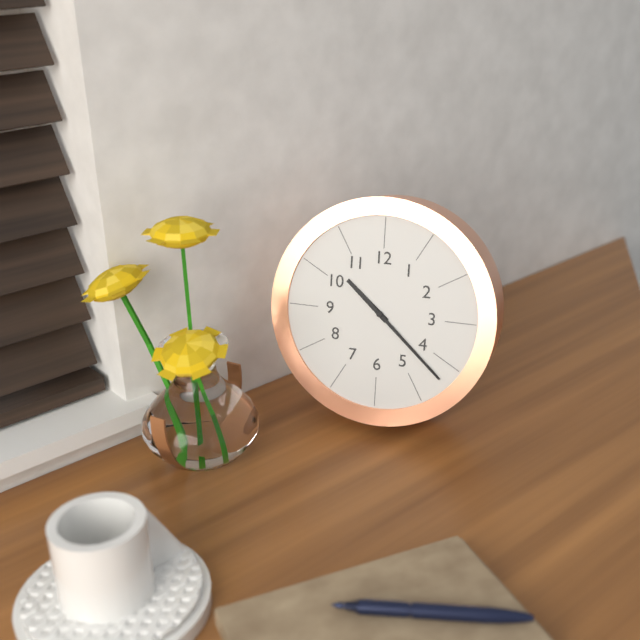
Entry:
10:22
